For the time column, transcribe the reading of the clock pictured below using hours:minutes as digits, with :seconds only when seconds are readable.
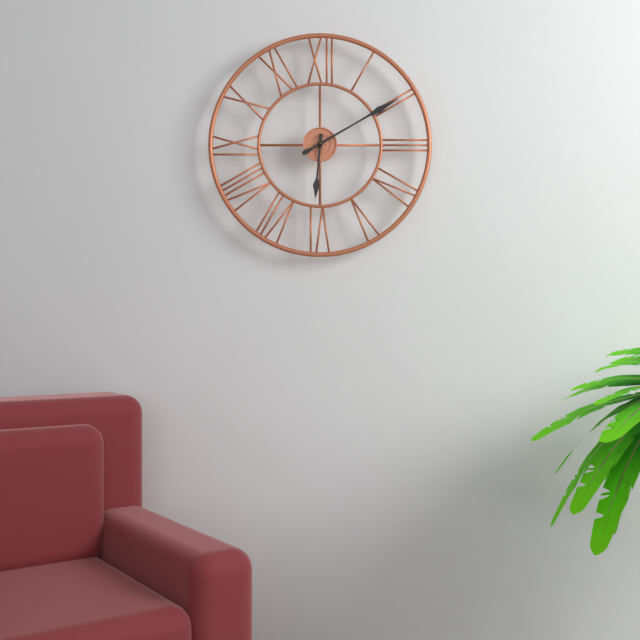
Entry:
6:10
